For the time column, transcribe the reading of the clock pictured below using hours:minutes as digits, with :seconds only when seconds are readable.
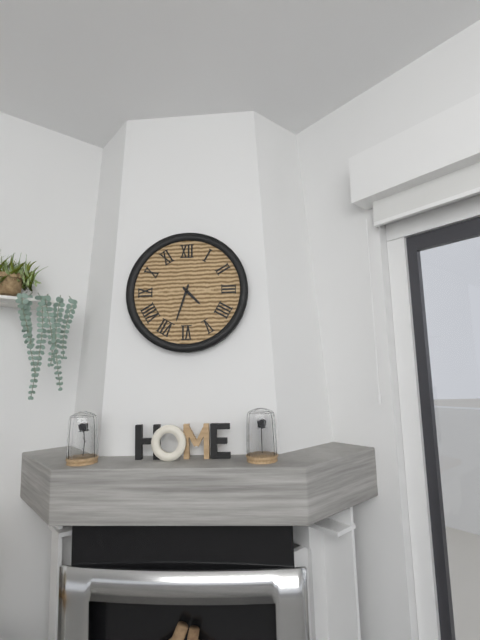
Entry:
4:33
